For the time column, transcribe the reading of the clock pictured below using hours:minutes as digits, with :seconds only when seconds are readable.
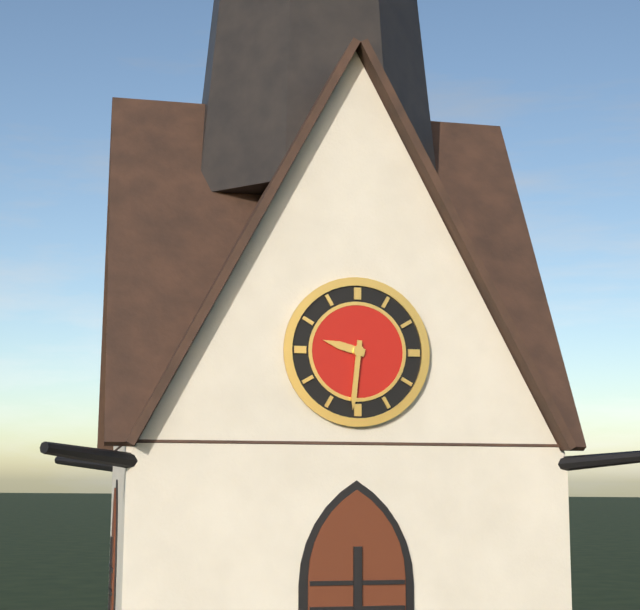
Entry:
9:31
